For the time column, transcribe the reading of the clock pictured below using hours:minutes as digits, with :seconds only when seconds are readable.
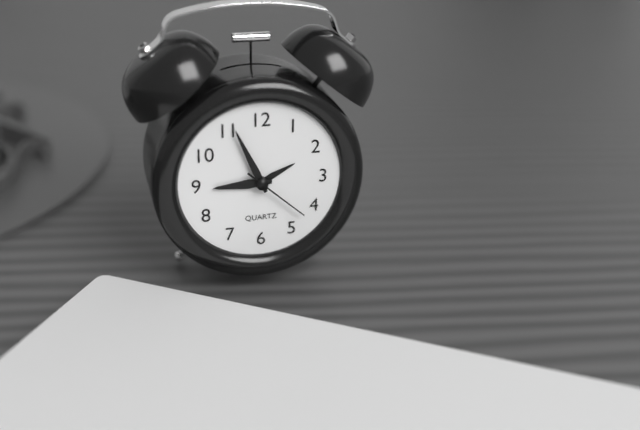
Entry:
8:56:22
